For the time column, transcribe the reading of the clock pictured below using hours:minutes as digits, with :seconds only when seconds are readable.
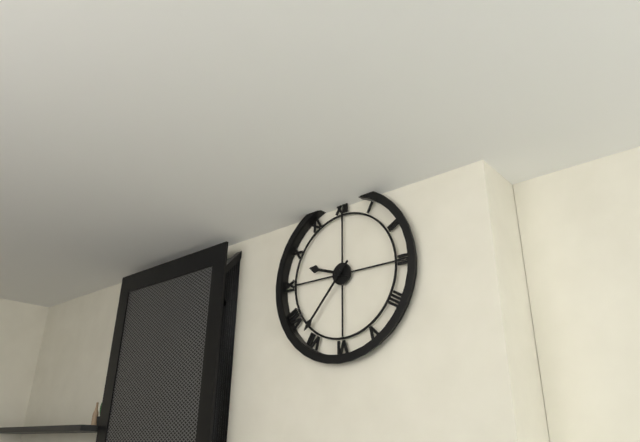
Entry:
9:37
